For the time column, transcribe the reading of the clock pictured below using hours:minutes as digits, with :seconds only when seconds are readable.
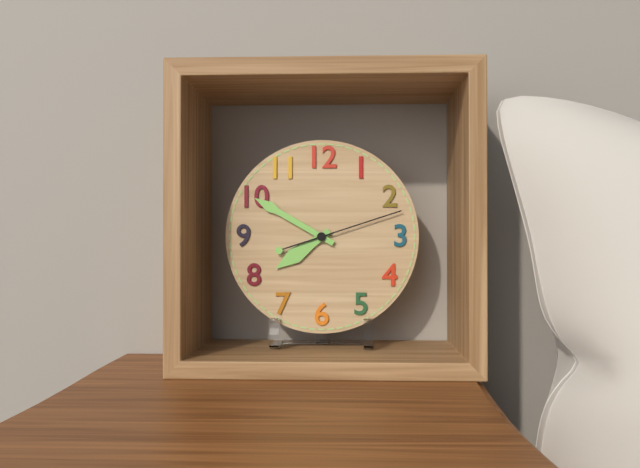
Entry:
7:50:12
